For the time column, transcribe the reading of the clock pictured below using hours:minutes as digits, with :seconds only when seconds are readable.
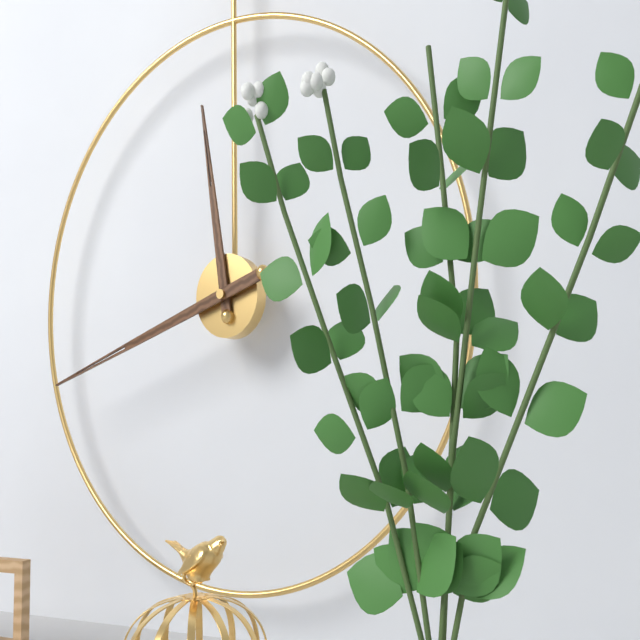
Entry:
11:42
